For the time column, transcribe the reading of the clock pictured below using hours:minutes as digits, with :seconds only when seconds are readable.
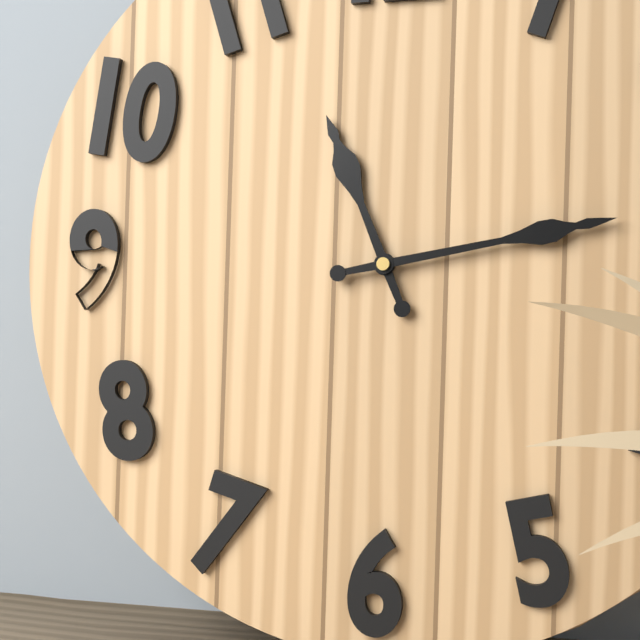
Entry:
11:13
